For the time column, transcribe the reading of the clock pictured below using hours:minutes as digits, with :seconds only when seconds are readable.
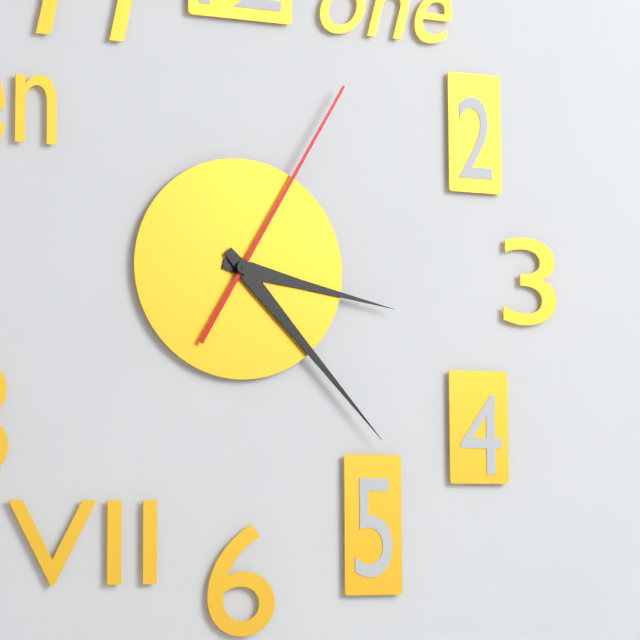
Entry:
3:23:05
